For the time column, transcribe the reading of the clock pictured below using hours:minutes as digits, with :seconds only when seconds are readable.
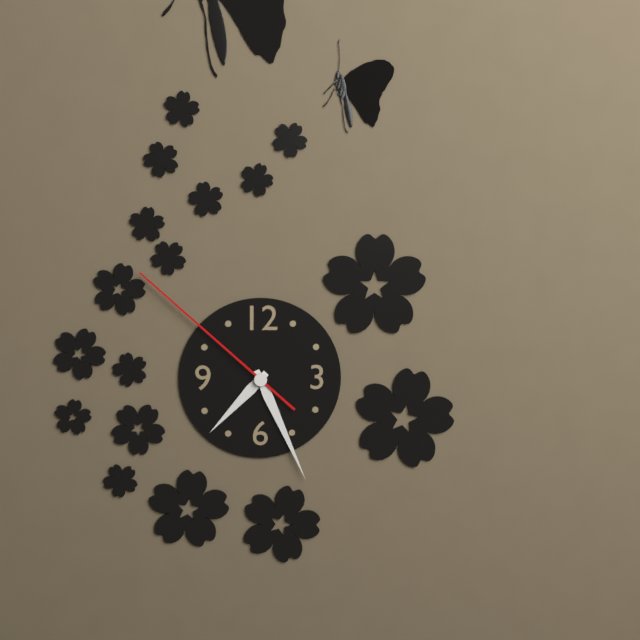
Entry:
7:26:52
